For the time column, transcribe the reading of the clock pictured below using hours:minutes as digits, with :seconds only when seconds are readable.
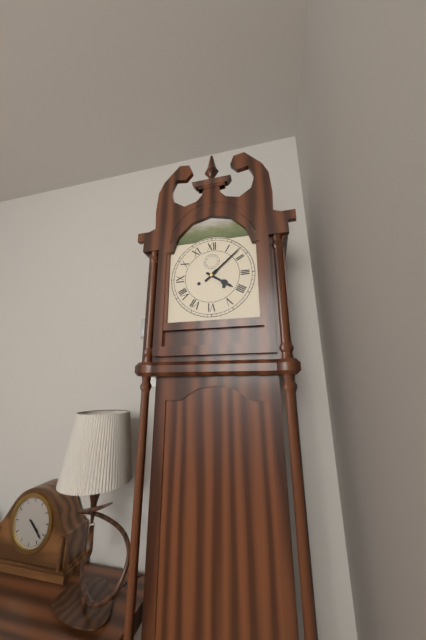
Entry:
4:08
